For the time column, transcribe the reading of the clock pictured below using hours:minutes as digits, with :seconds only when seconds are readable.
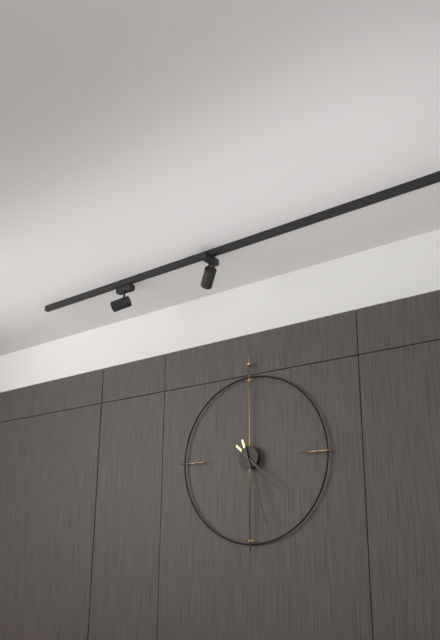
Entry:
4:27
